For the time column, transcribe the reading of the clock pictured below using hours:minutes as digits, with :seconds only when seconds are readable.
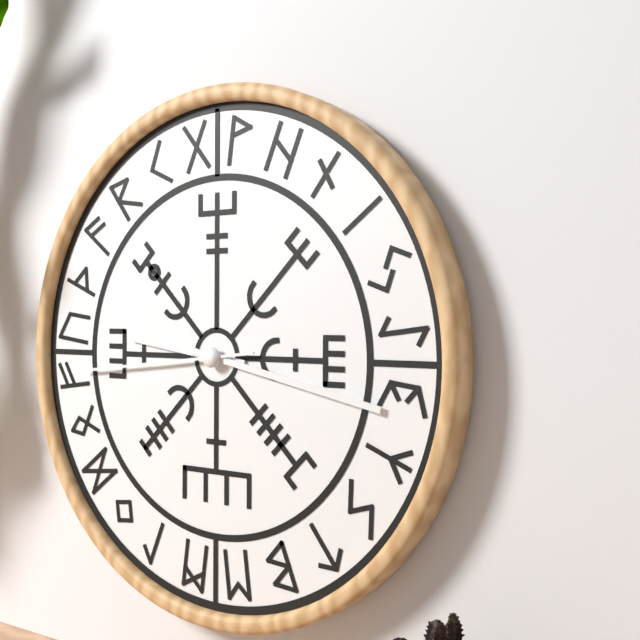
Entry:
9:17:44
